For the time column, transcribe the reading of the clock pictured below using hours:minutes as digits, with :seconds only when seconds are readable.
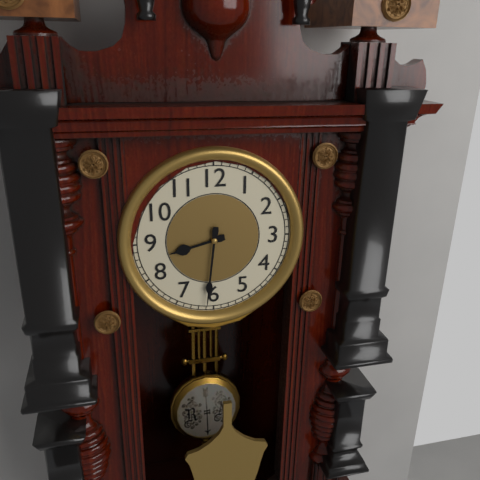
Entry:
8:31
